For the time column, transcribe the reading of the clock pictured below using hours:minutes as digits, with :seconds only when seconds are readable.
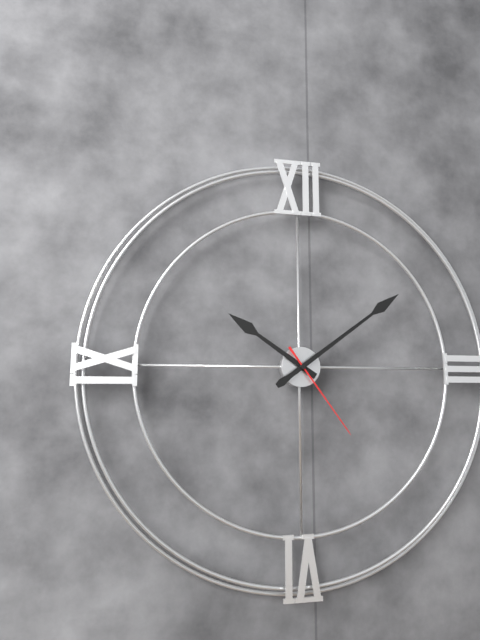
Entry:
10:09:24
